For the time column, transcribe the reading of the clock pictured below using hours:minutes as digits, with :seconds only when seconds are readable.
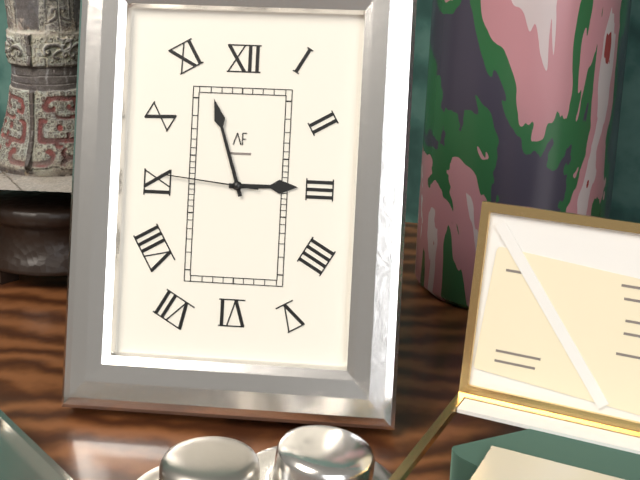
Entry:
2:57:46
